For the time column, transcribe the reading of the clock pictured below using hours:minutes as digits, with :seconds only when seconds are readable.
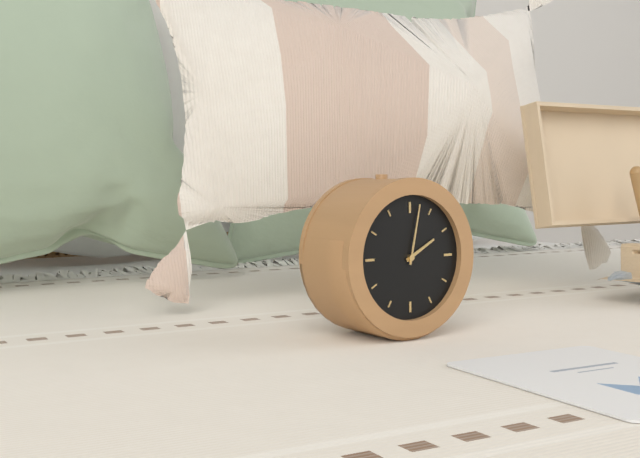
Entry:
2:02
